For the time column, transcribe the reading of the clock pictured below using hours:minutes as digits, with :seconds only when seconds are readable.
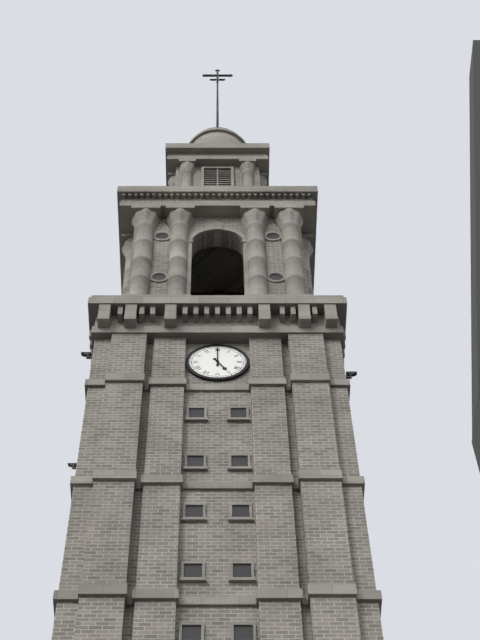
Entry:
5:00
